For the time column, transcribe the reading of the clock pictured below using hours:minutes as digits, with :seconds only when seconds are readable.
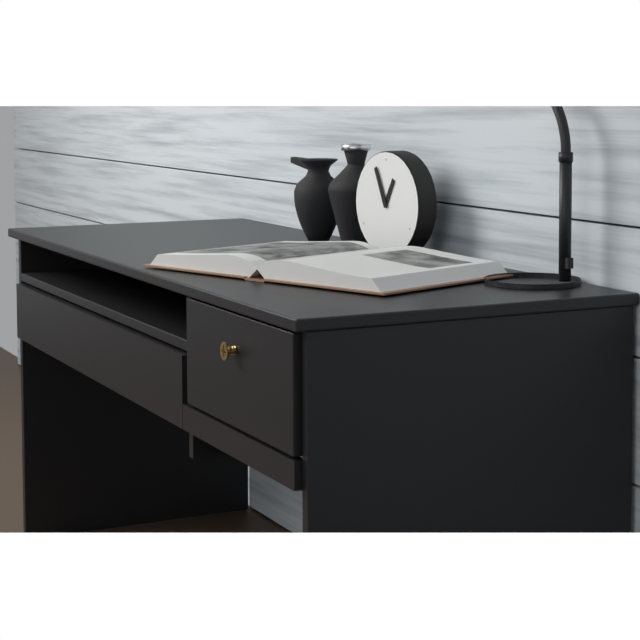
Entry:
12:56
